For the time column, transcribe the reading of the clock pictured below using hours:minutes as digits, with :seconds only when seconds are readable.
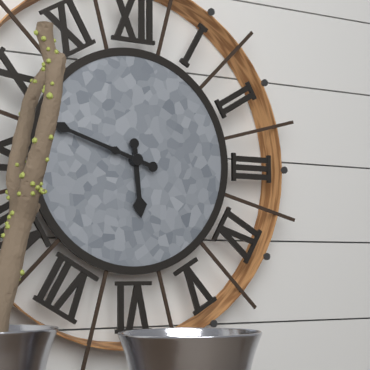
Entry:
5:48
